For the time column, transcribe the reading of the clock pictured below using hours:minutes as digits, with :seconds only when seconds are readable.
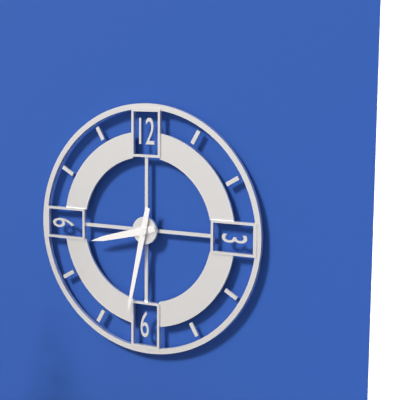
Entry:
8:32
